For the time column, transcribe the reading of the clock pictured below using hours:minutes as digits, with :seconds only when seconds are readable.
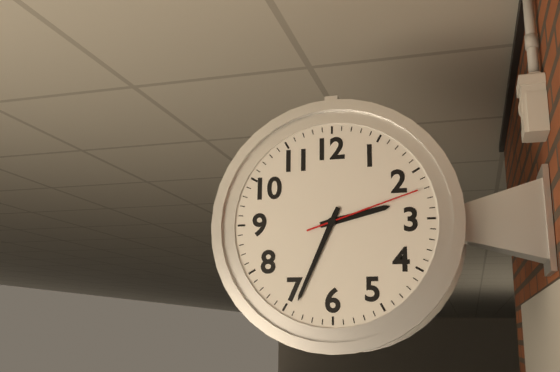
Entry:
2:34:12
